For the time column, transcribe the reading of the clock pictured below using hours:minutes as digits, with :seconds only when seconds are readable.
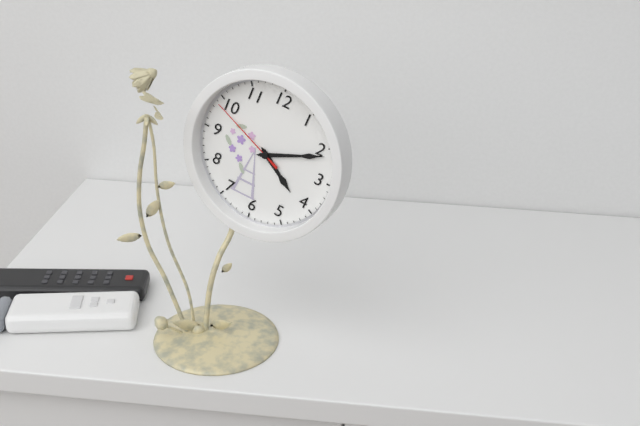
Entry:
4:11:49
